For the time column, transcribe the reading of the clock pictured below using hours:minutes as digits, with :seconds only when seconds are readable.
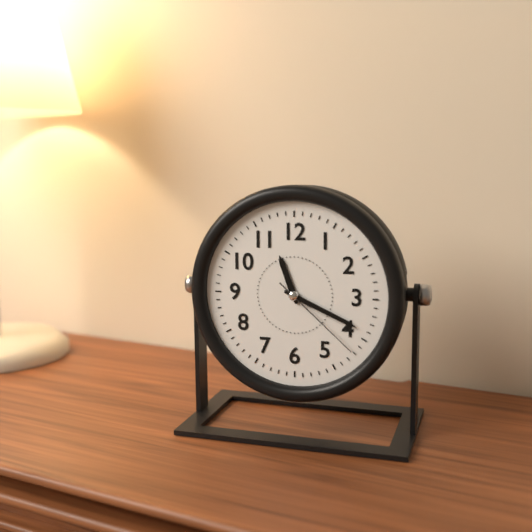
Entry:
11:19:22
